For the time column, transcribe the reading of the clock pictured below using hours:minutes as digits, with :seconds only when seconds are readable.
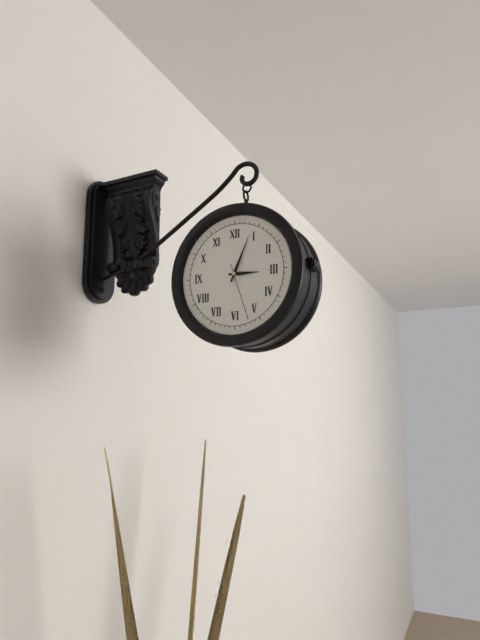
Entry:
3:04:27
